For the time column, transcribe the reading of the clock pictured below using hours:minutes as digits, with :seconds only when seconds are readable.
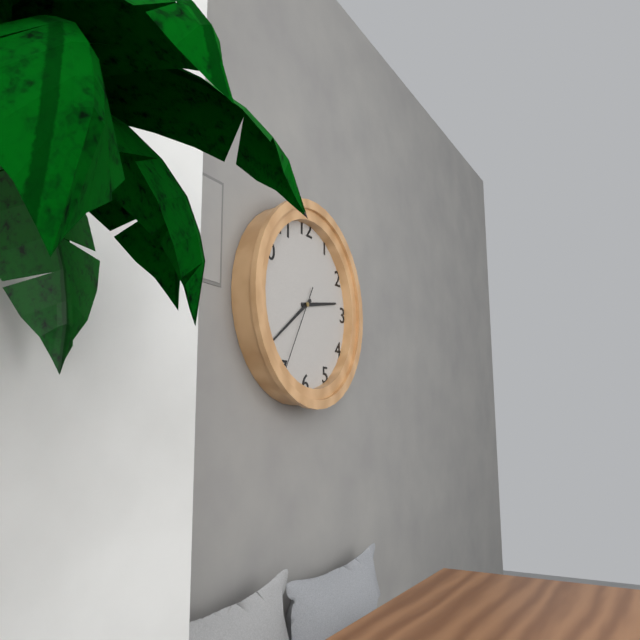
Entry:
2:39:35
